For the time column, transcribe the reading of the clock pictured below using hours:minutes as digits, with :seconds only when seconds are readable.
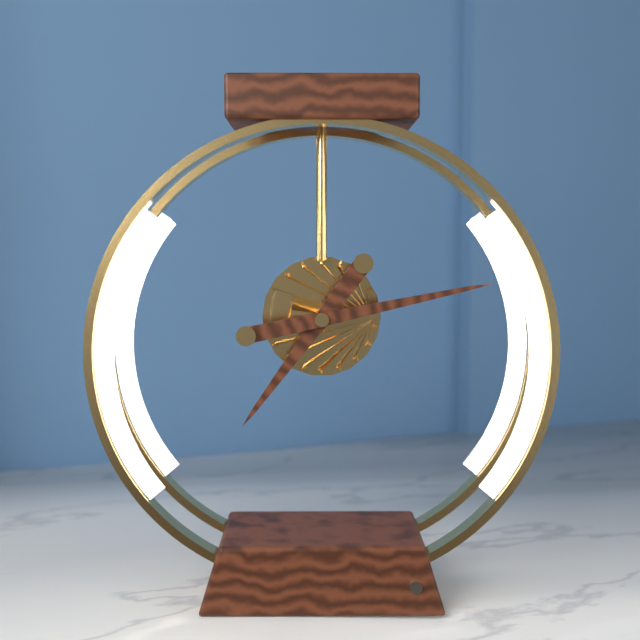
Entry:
7:13
